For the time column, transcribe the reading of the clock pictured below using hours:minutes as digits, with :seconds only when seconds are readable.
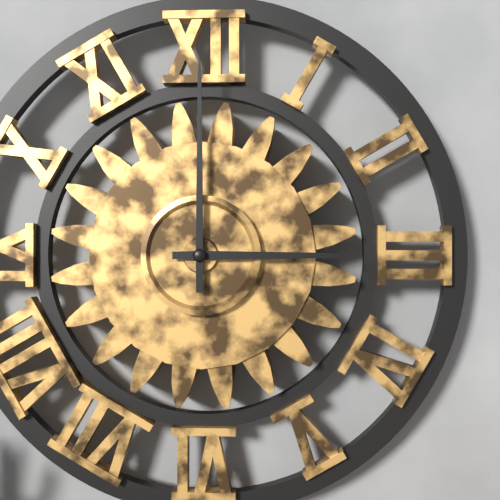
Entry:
3:00
